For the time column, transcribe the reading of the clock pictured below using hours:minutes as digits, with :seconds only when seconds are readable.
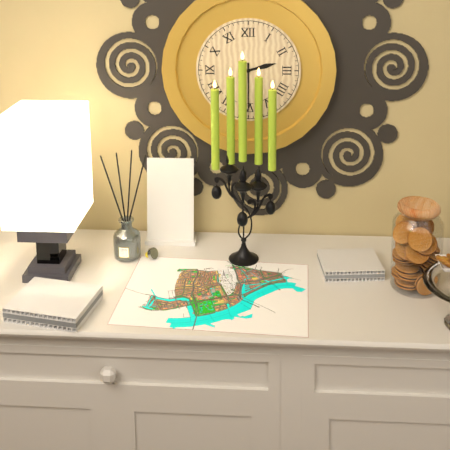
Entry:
2:30
